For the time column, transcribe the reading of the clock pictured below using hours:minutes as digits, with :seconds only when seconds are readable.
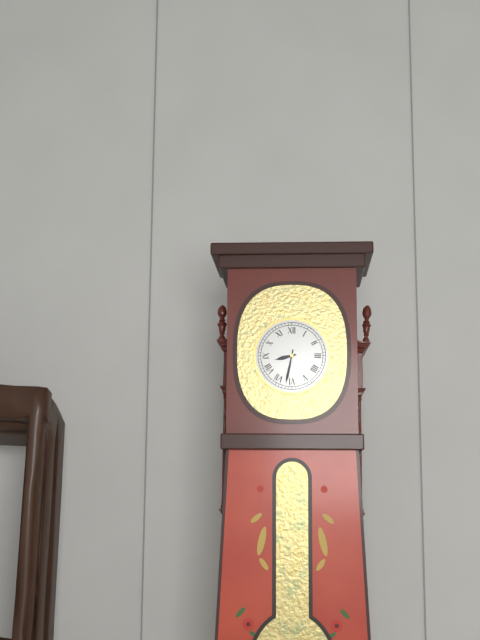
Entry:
8:32
